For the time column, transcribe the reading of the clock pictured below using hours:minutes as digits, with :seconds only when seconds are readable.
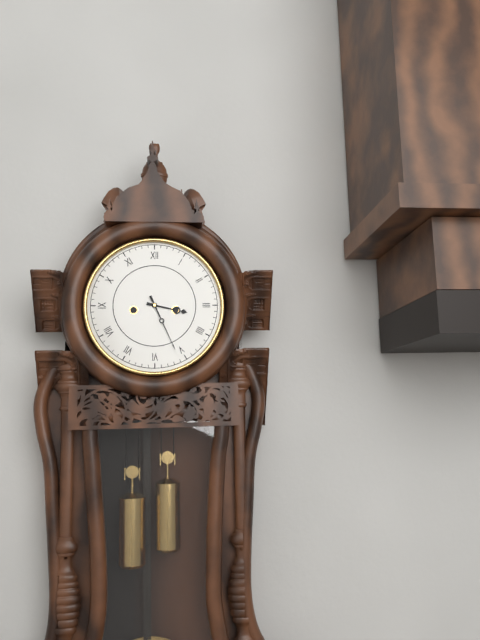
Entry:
3:26
